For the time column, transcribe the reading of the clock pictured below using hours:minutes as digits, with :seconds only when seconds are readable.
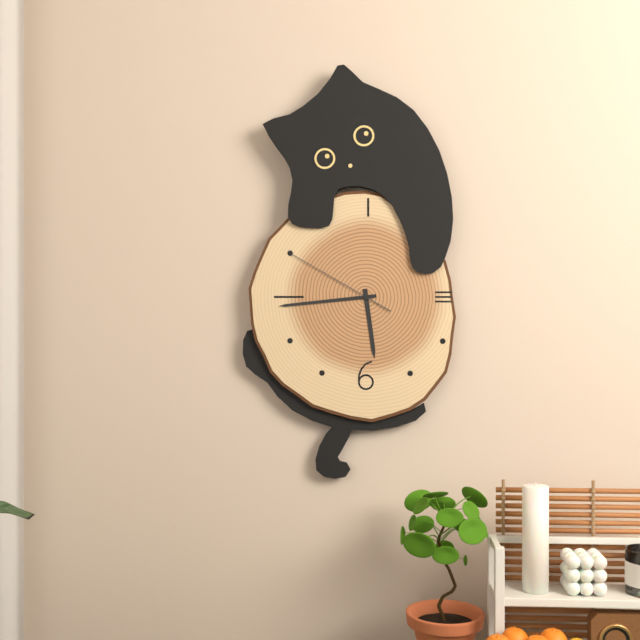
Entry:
5:44:50
